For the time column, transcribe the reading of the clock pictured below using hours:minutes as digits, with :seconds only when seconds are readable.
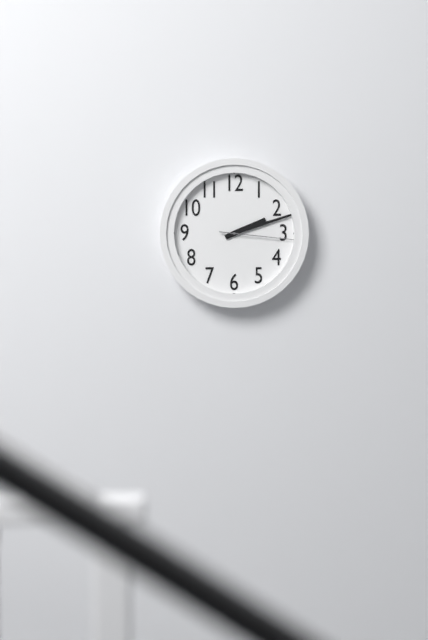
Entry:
2:12:16
